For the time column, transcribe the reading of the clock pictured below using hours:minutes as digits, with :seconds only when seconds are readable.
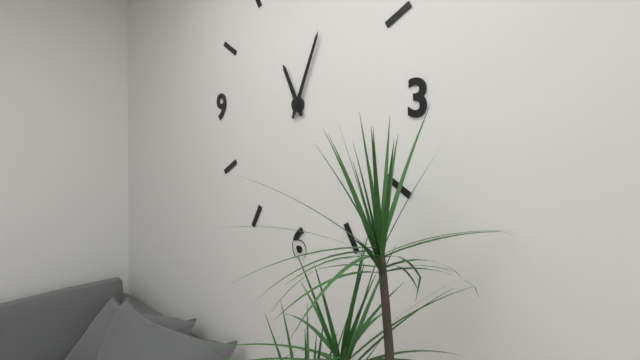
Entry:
11:04
